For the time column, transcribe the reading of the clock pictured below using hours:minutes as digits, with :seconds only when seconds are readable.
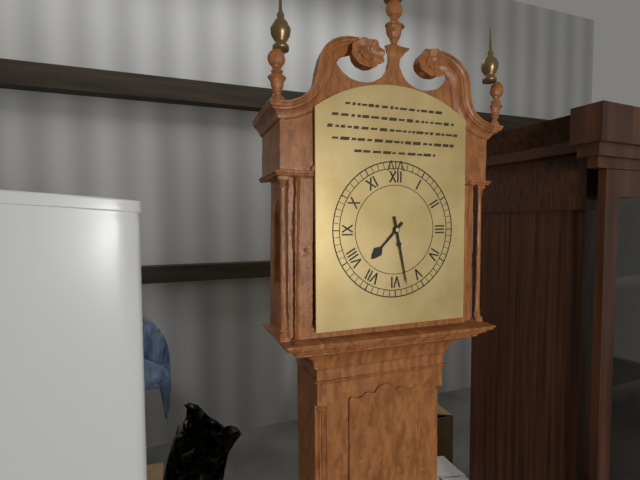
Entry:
7:28
